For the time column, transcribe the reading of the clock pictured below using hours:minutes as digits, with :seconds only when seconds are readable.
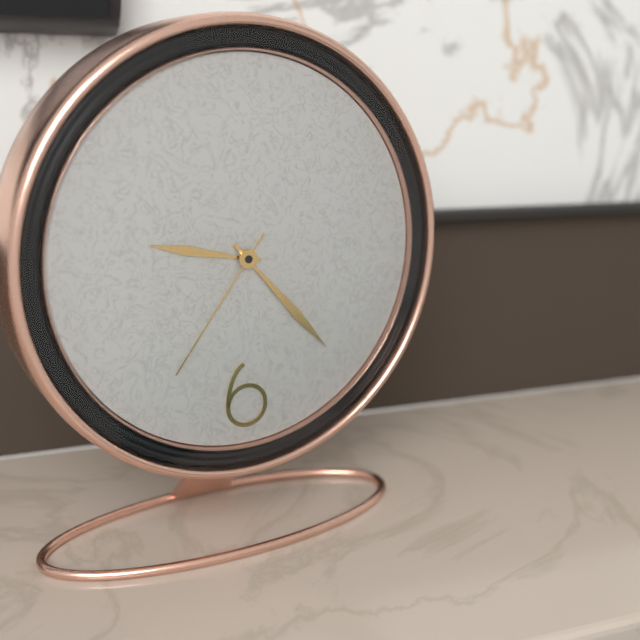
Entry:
9:23:36
